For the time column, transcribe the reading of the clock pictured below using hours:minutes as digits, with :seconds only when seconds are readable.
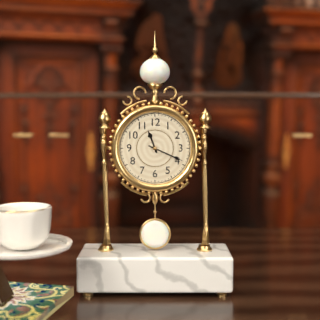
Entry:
11:19
